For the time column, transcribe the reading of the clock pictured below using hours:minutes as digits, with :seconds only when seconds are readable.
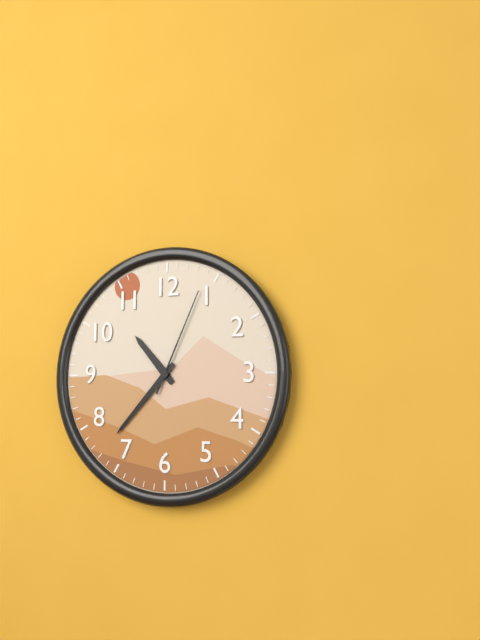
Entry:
10:37:04
